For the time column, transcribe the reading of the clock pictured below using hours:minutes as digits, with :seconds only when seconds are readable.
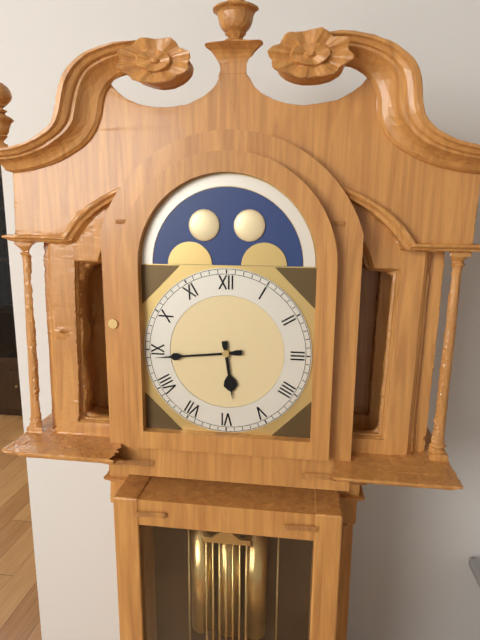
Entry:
5:44
